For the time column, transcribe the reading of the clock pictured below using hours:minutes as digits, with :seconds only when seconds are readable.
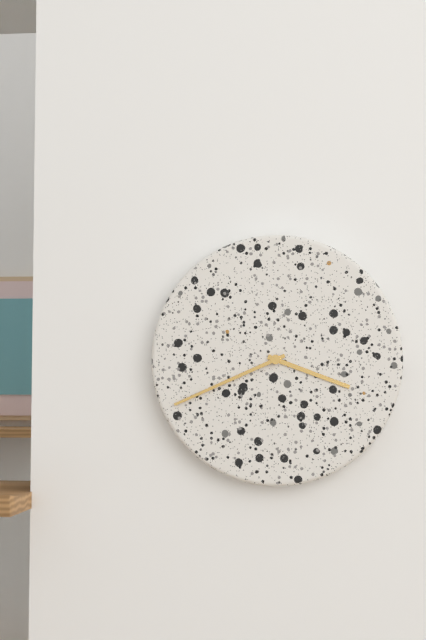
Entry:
3:41
